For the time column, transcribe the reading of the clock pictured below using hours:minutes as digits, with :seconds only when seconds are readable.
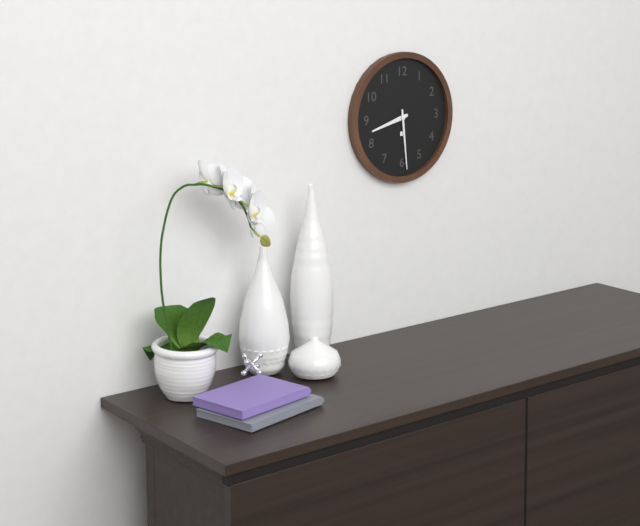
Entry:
8:29
